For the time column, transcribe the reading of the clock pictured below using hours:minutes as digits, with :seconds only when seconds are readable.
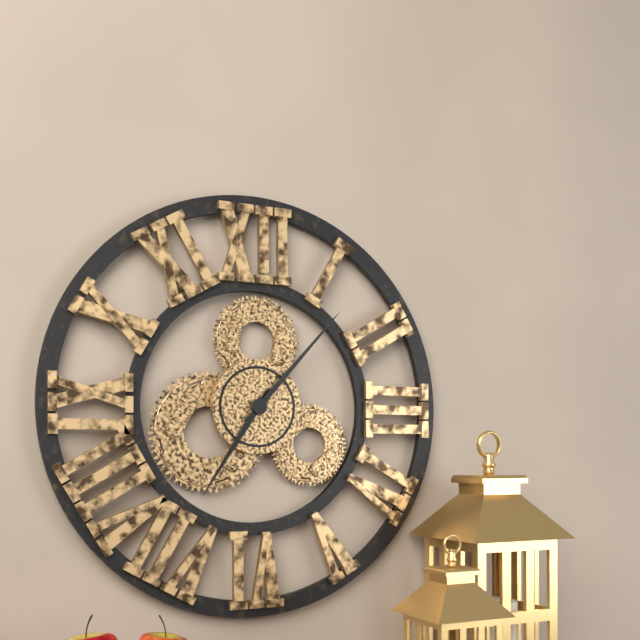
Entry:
7:07
